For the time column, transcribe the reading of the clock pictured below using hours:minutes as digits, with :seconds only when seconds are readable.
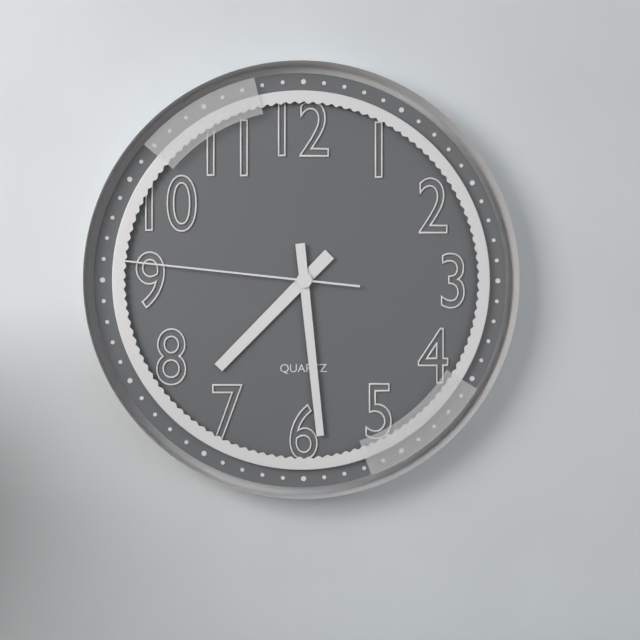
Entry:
7:29:46
